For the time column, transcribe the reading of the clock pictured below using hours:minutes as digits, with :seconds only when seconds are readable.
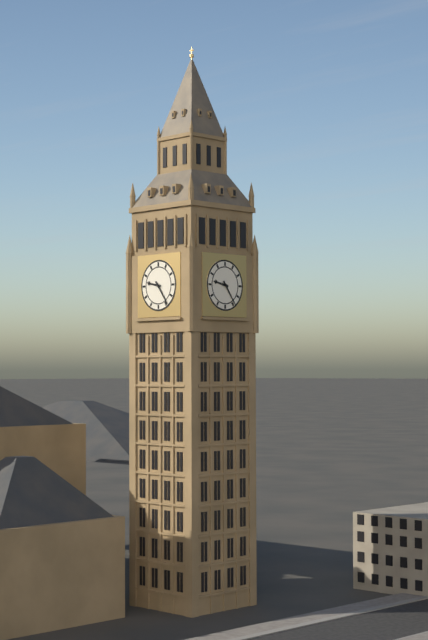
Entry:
9:24
